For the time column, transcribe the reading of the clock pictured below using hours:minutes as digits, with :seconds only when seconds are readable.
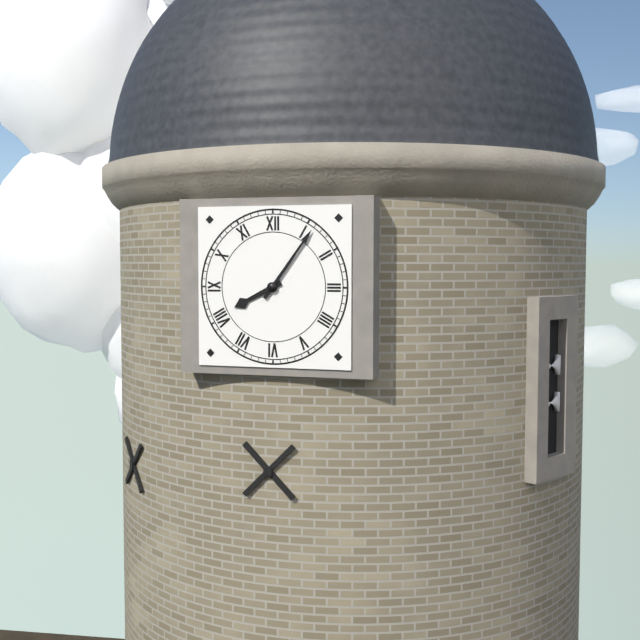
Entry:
8:06
